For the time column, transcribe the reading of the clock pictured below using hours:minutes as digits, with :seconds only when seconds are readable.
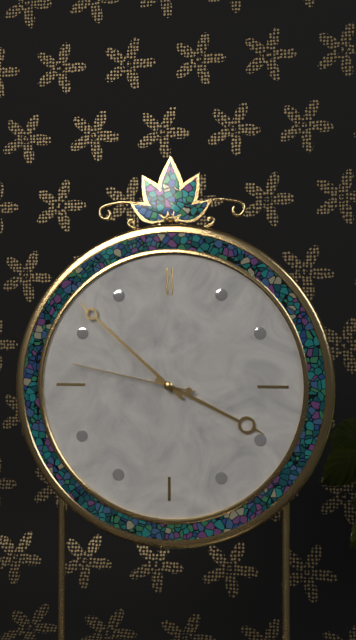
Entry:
3:52:47
